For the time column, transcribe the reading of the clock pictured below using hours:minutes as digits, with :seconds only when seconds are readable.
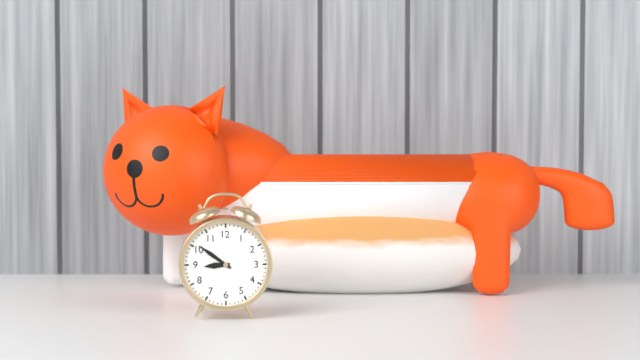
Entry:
8:51
